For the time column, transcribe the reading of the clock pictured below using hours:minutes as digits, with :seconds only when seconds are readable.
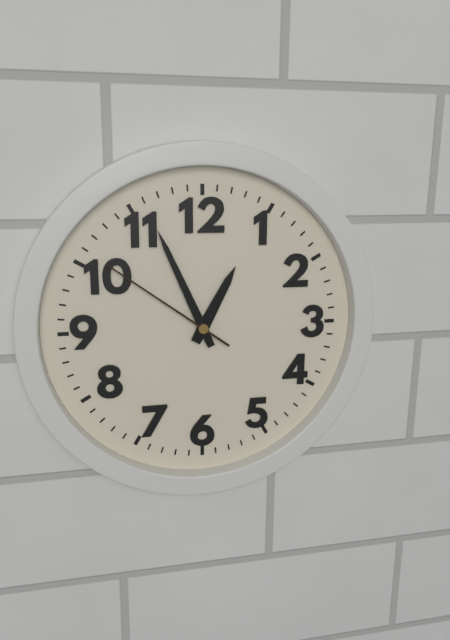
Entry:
12:56:51
